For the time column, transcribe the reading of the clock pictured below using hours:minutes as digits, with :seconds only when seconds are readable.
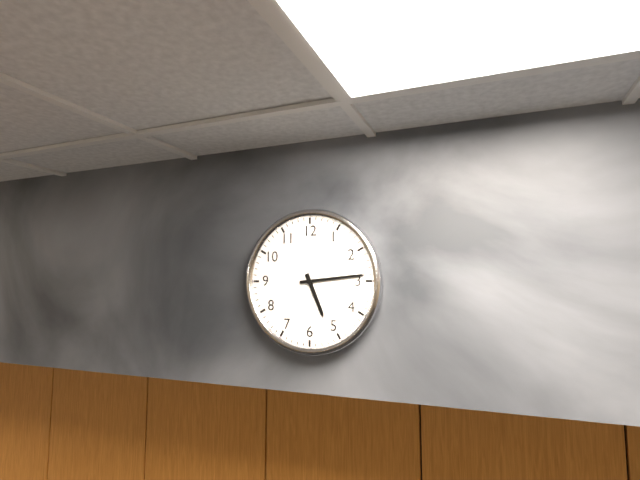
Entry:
5:14
